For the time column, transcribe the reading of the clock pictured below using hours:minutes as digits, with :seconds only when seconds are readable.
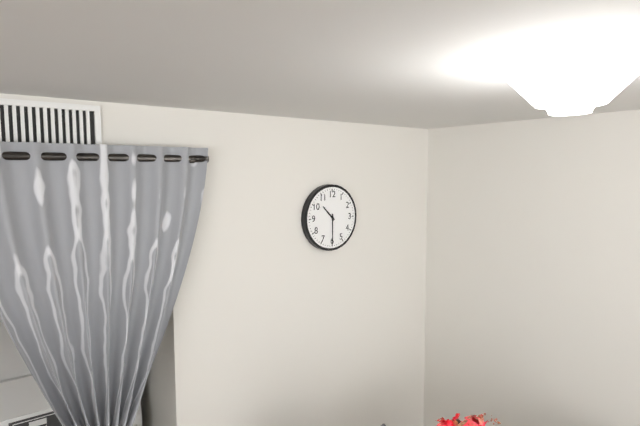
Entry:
10:30
